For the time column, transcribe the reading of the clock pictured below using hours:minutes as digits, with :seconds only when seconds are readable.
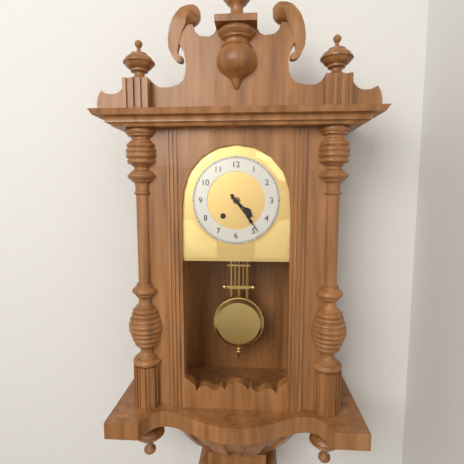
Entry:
4:24
